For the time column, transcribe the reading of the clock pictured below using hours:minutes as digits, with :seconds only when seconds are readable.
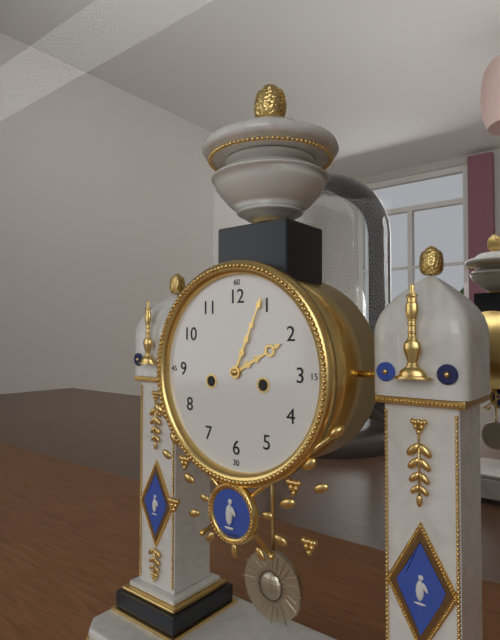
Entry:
2:04
